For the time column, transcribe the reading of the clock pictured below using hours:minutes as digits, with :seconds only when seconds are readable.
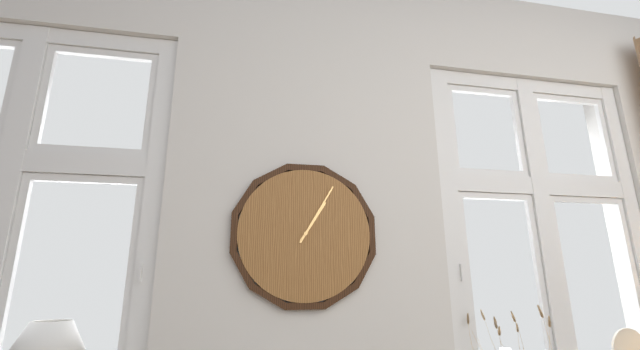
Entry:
1:05
